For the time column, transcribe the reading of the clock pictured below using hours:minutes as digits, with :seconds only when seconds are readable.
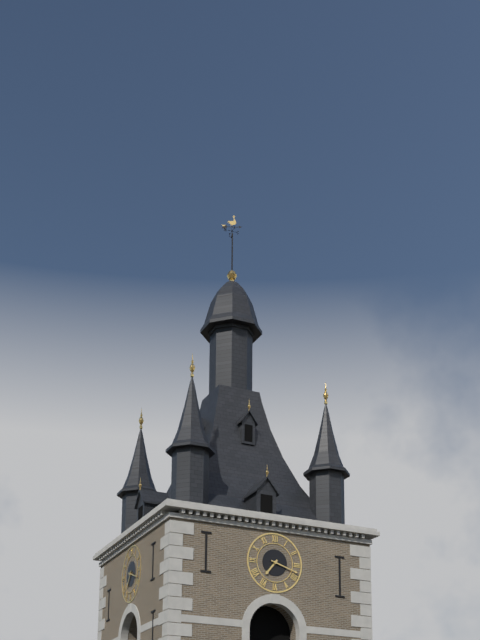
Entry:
7:18
